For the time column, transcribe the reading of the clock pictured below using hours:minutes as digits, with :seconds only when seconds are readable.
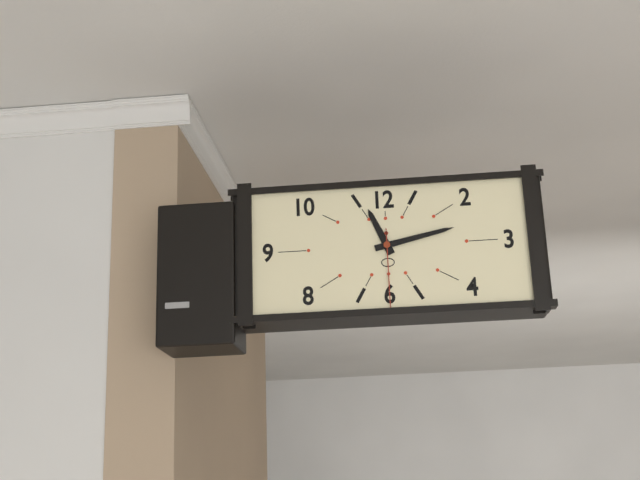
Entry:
11:13:30
